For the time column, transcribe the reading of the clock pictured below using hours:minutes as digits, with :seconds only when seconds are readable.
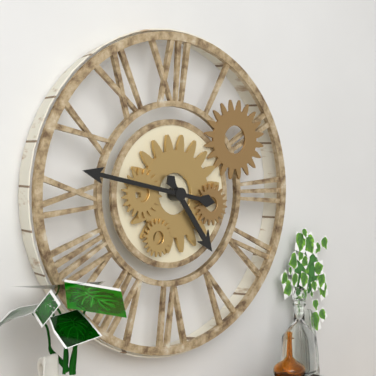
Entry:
4:47
